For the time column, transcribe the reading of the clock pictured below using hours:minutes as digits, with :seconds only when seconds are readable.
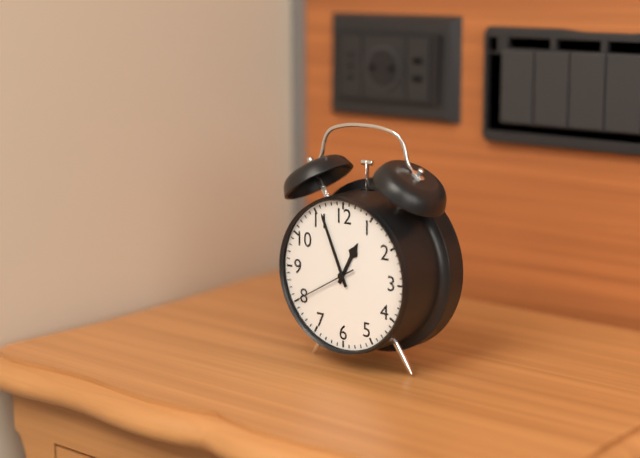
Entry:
12:56:40
